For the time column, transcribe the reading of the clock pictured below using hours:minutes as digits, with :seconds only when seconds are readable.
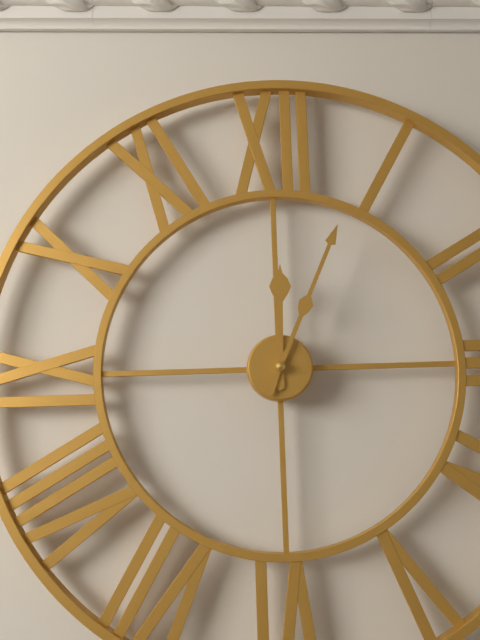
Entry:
12:04
